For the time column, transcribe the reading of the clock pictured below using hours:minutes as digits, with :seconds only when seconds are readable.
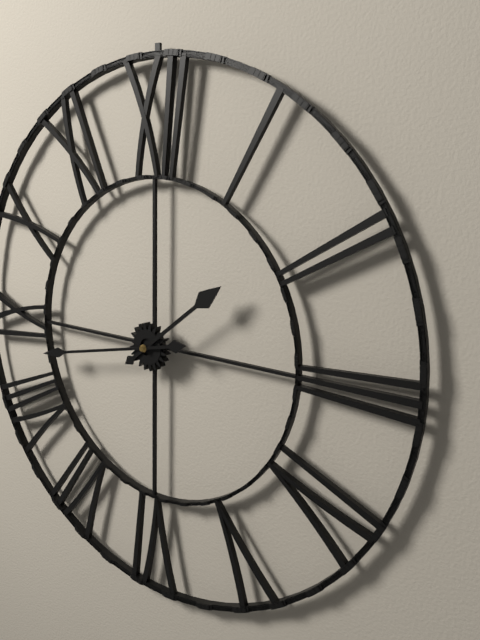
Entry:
1:43
